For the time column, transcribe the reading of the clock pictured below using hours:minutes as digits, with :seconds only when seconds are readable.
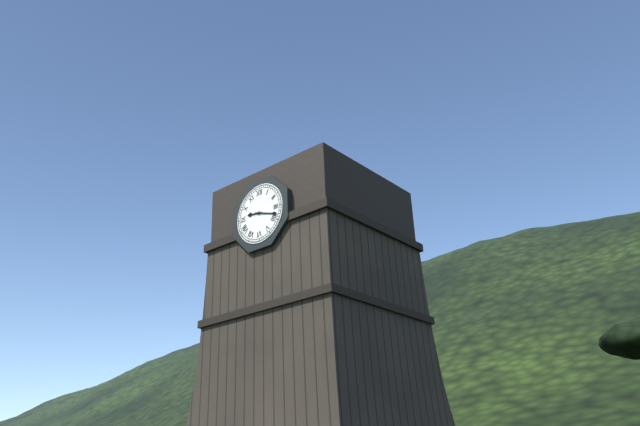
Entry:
9:18
